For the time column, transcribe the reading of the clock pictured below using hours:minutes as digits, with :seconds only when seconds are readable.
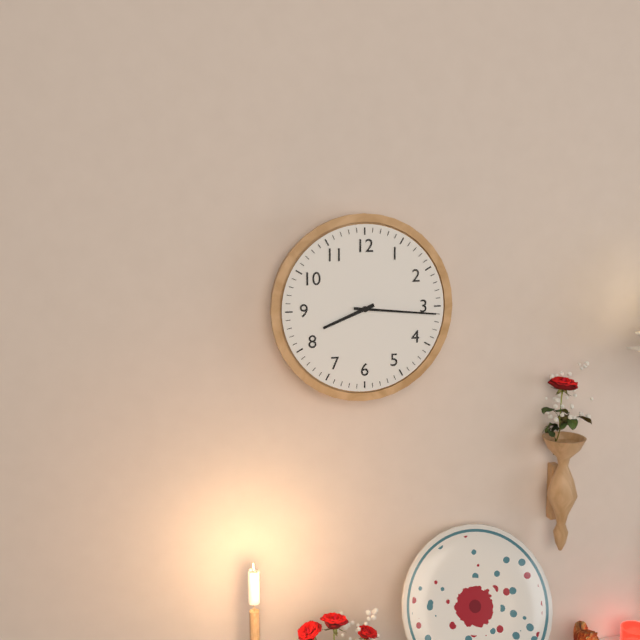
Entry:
8:16
